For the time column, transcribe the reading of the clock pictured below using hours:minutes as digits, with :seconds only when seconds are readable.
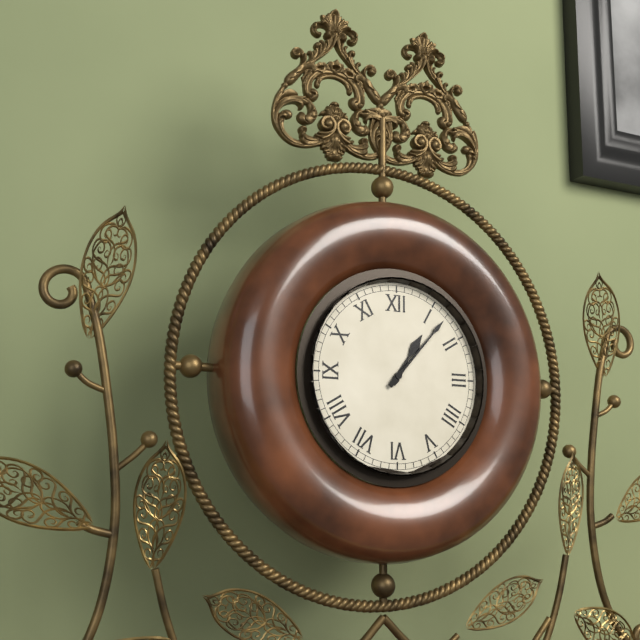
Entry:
1:07
